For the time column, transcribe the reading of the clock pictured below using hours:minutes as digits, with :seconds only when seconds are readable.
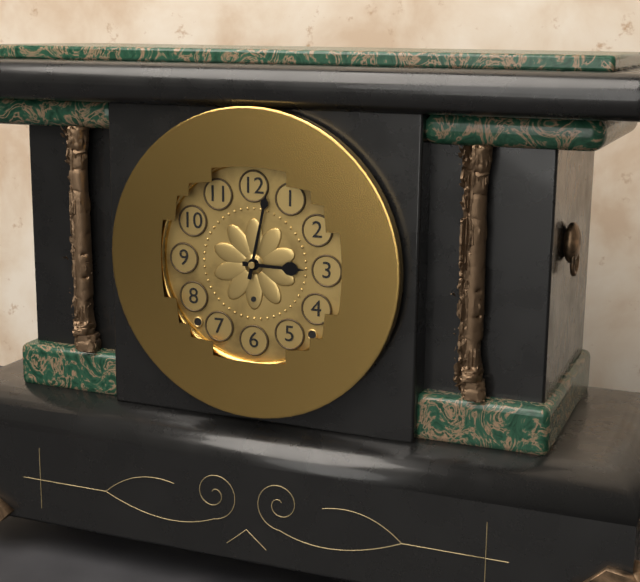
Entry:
3:02
